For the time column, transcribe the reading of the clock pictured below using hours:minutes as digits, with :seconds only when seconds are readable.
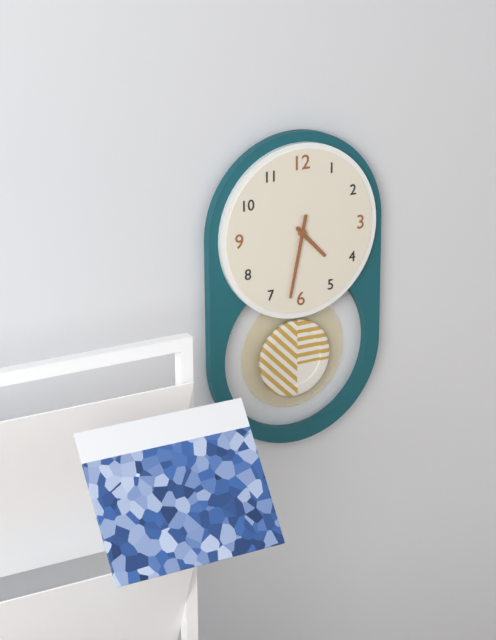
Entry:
4:32
